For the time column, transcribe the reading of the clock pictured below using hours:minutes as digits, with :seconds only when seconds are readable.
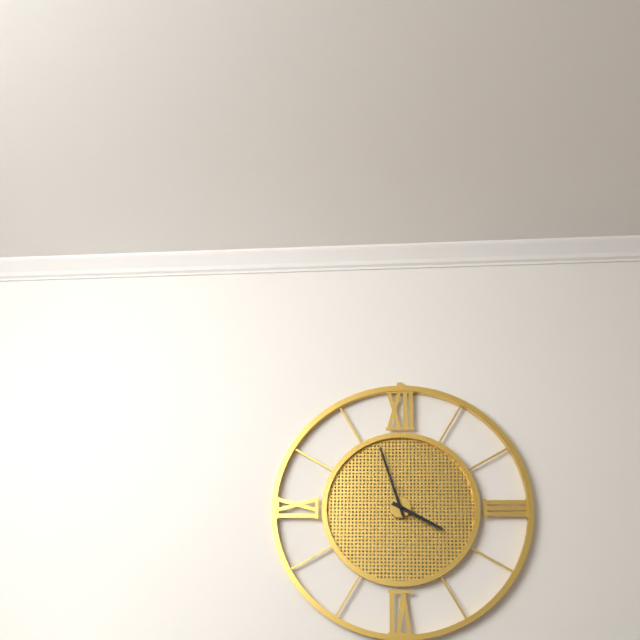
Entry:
3:57
